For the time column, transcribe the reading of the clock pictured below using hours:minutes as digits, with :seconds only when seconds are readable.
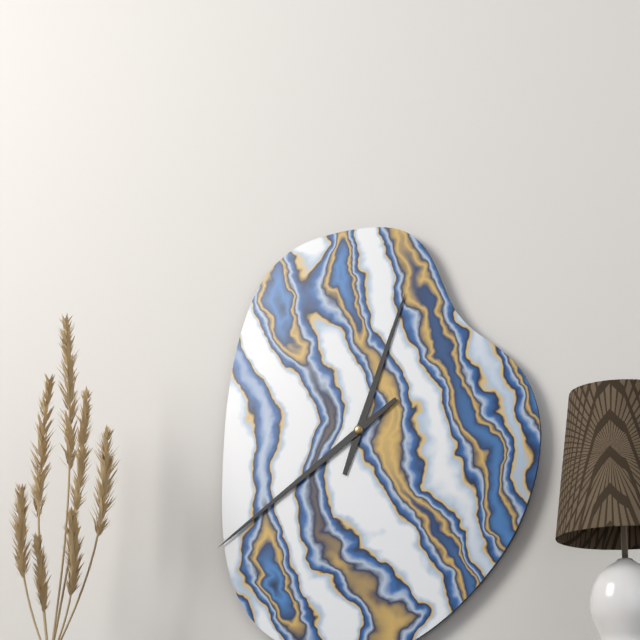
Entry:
12:39
